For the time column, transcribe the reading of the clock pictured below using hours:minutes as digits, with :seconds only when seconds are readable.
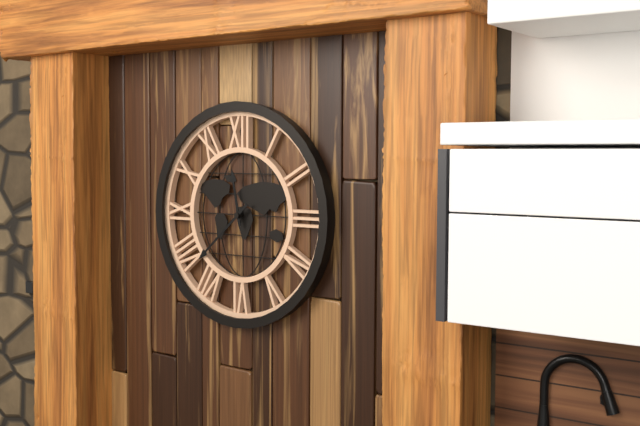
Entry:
11:38
